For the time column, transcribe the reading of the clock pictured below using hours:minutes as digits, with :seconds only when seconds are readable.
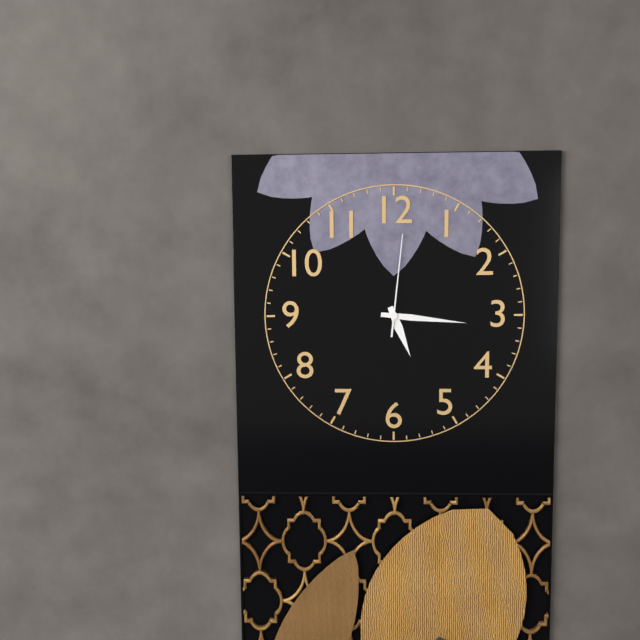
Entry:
5:16:01
